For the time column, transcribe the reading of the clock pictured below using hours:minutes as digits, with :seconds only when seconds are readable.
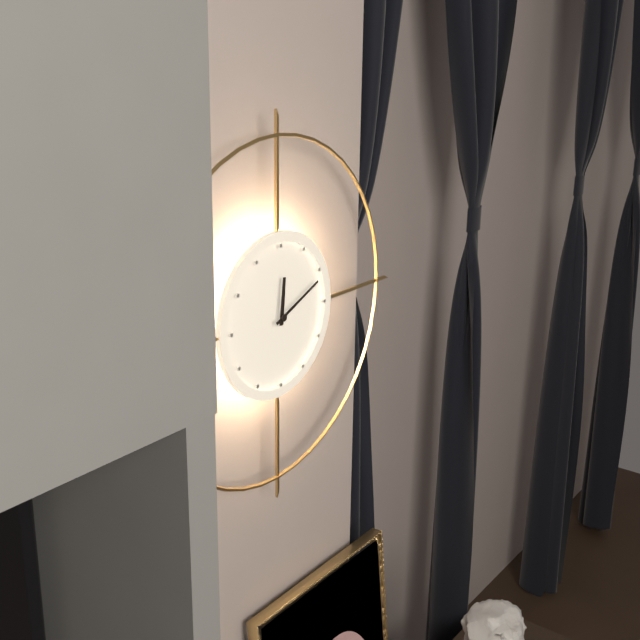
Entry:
12:11
